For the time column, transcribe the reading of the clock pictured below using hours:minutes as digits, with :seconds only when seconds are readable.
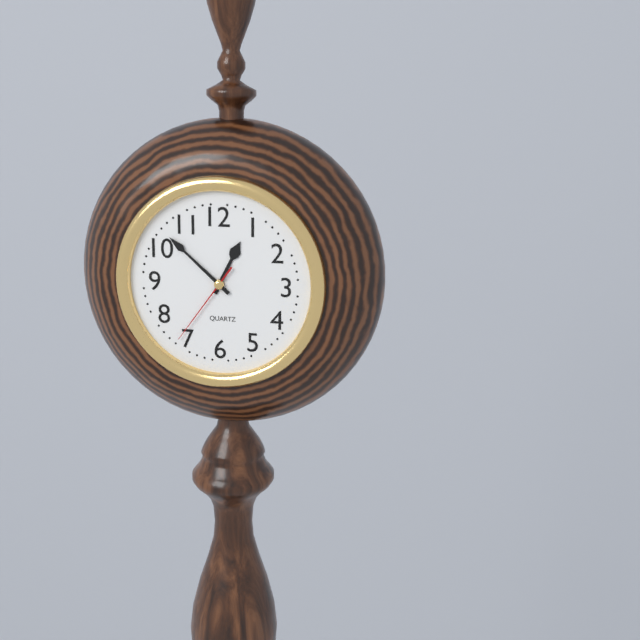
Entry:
12:52:36
